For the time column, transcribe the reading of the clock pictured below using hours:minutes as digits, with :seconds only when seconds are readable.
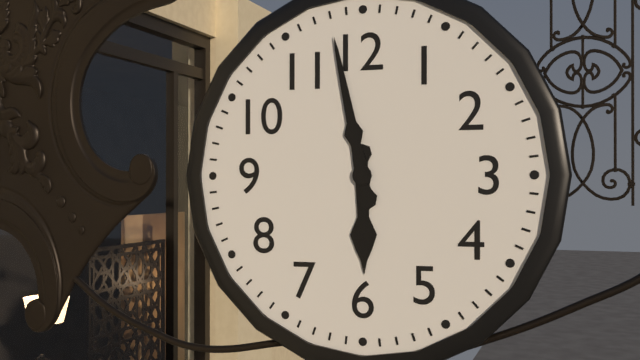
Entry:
5:58
